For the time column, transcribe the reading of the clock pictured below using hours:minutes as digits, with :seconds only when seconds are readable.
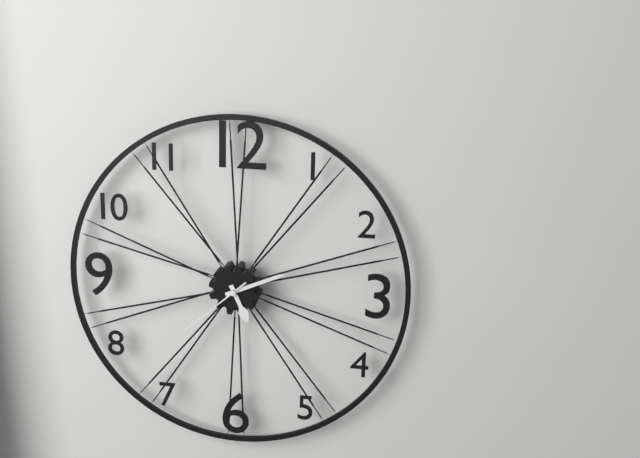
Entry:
5:11:38
